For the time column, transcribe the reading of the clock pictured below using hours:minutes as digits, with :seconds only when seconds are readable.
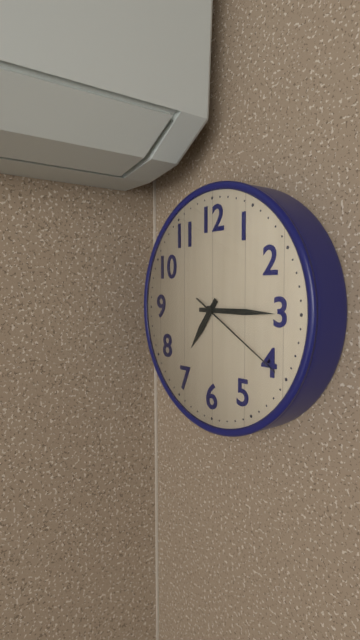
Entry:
7:15:20
